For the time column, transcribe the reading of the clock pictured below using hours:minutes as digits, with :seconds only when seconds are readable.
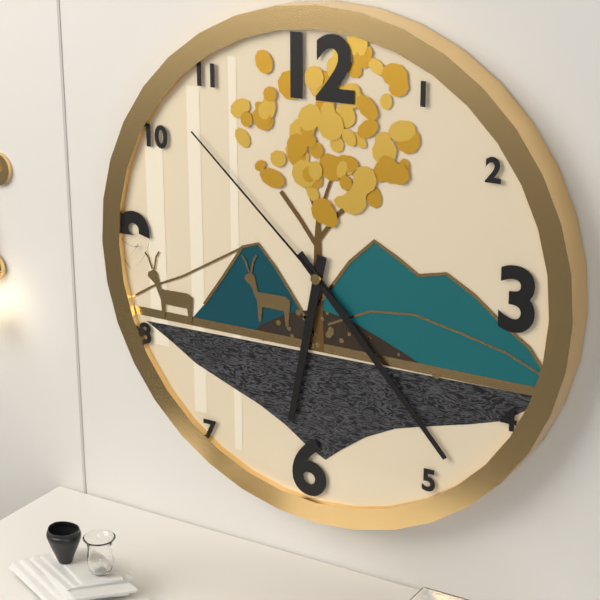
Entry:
6:23:52
